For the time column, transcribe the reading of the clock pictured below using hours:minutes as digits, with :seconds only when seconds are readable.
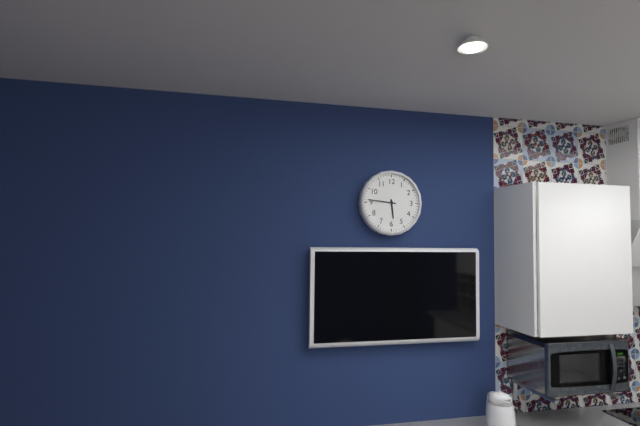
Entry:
5:46
